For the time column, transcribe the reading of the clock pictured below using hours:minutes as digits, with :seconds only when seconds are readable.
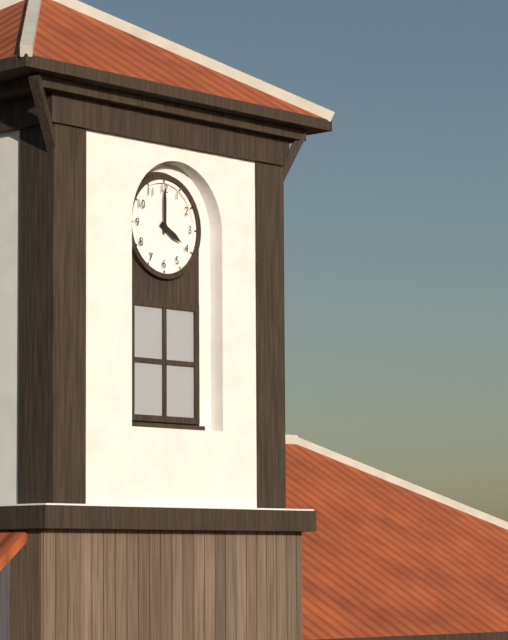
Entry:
4:00
